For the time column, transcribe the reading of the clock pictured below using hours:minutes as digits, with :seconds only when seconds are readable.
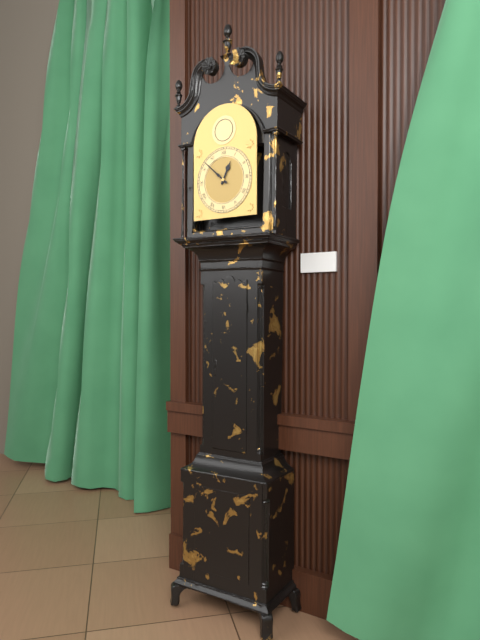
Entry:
12:52
